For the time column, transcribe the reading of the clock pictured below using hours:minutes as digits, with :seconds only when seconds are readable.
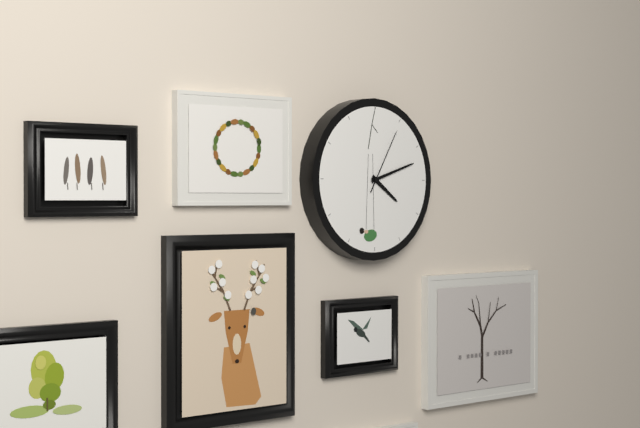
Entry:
4:12:05
